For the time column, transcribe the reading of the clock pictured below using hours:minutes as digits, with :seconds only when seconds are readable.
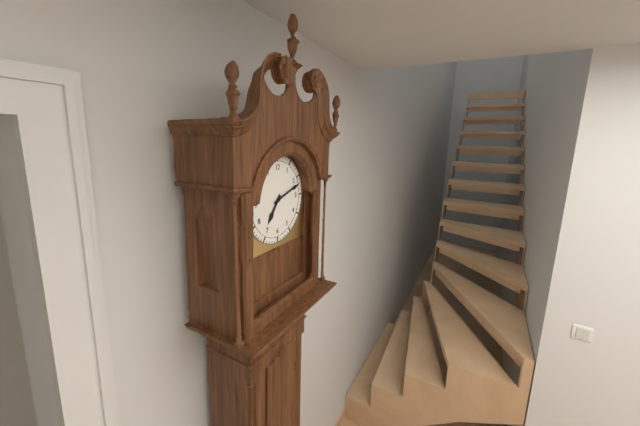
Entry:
7:12
